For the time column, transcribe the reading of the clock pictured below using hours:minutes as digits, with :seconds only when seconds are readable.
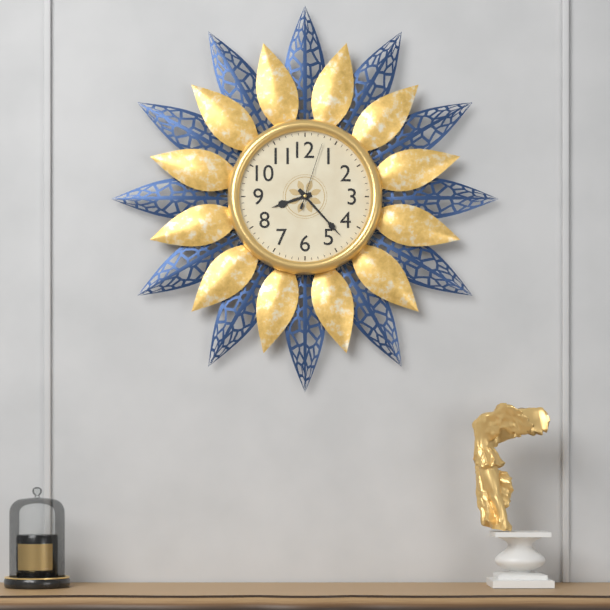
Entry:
8:23:03
